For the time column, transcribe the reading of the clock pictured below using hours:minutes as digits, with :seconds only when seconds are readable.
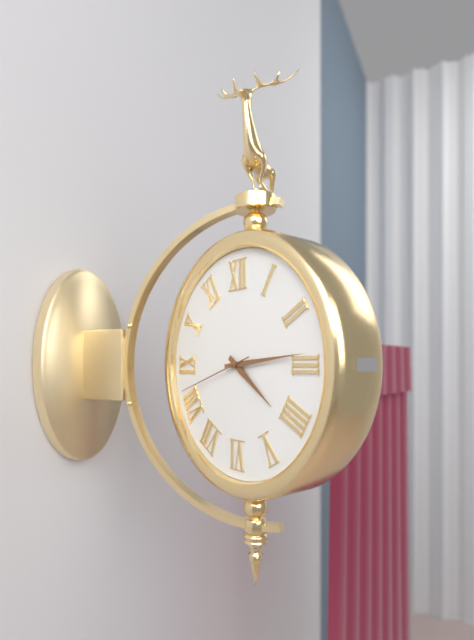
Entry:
4:14:42
